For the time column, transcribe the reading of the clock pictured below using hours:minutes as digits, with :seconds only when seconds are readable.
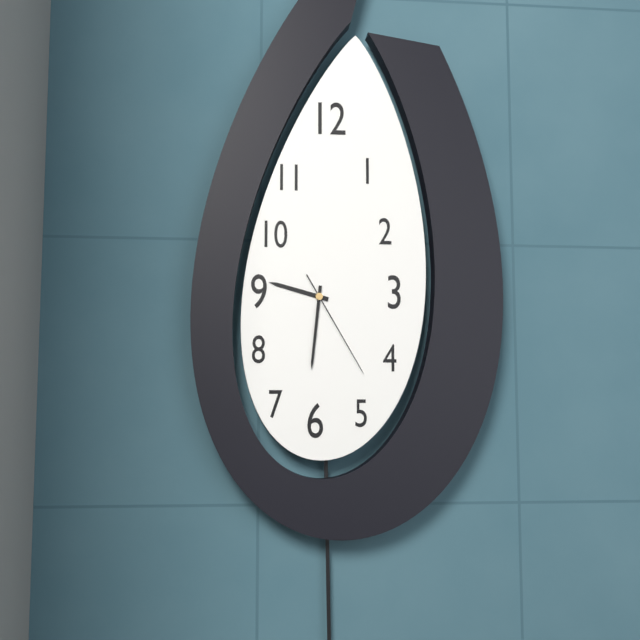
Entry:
9:31:25
